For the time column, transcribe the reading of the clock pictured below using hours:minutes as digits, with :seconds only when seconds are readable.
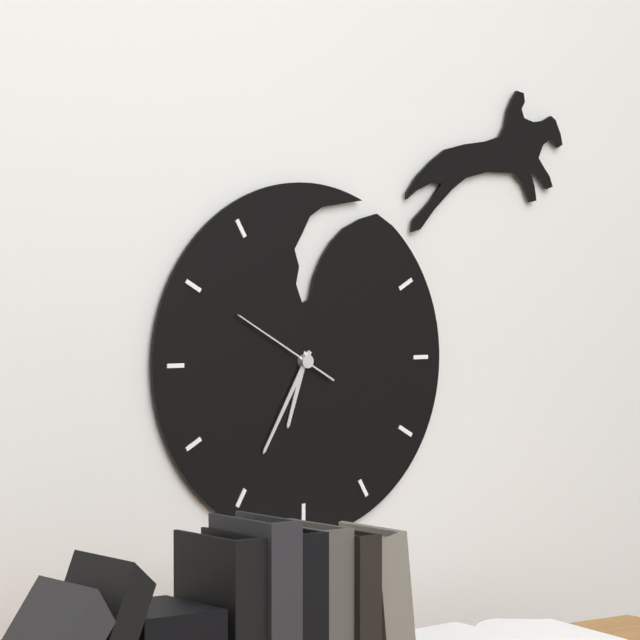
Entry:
6:35:50
